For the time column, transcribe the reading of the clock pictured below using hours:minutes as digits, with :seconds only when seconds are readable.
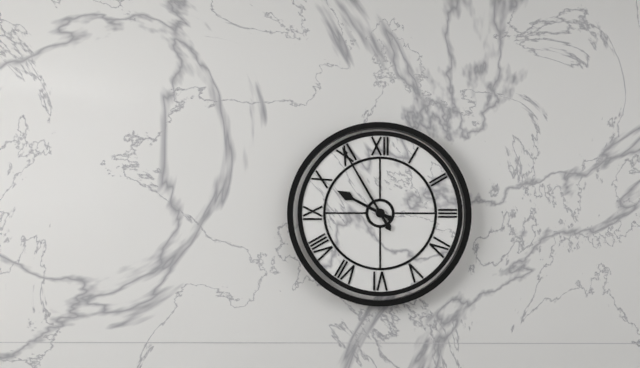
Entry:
9:55
